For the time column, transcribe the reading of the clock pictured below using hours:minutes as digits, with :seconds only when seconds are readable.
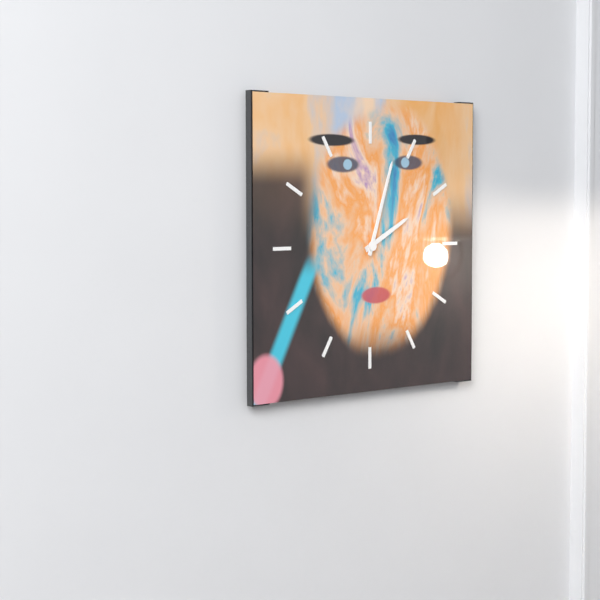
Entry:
2:03
